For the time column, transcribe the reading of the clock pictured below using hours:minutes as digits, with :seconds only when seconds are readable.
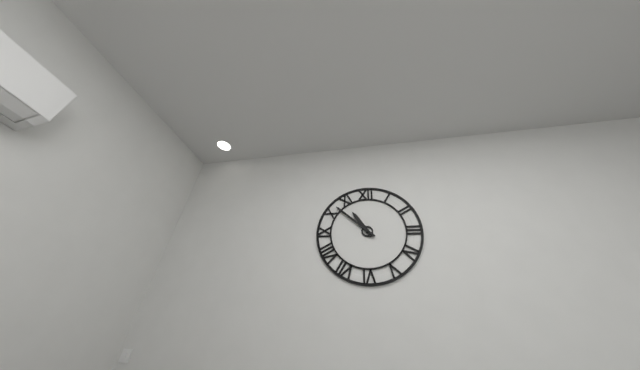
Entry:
10:52
